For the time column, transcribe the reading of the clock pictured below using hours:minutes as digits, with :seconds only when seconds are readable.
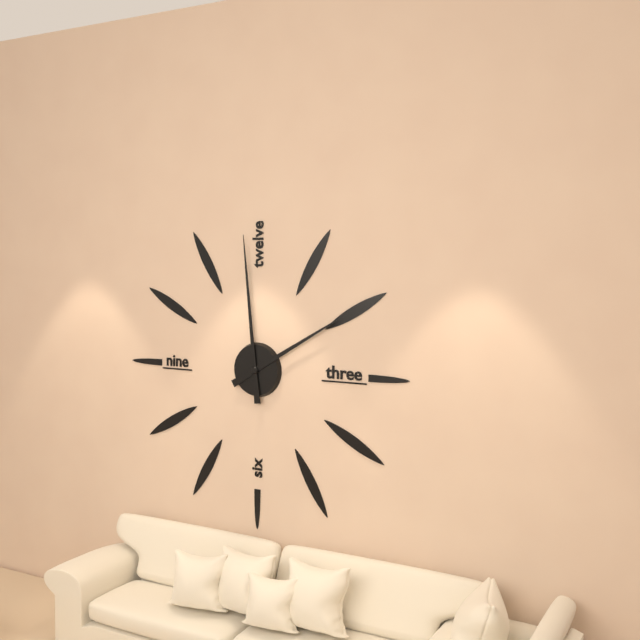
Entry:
1:59
